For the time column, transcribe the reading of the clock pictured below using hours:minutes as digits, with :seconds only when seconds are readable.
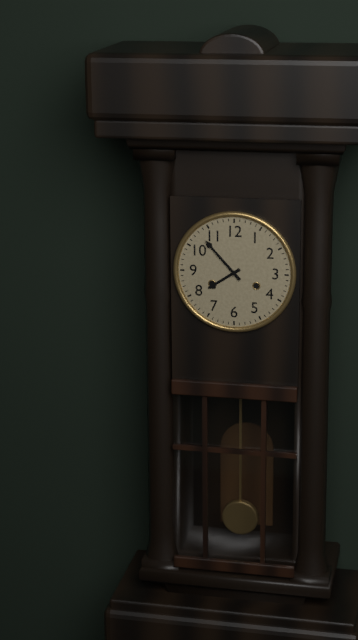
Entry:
7:53
